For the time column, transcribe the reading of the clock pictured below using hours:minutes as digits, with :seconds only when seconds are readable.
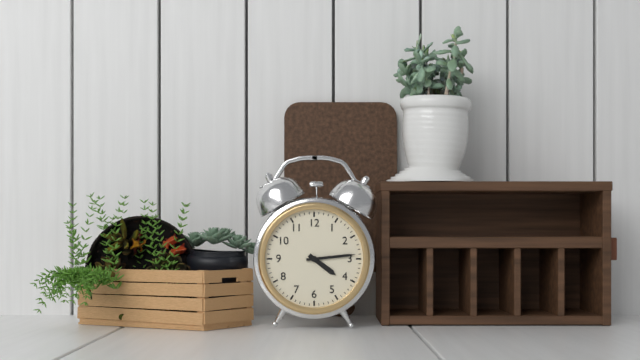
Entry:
4:14
